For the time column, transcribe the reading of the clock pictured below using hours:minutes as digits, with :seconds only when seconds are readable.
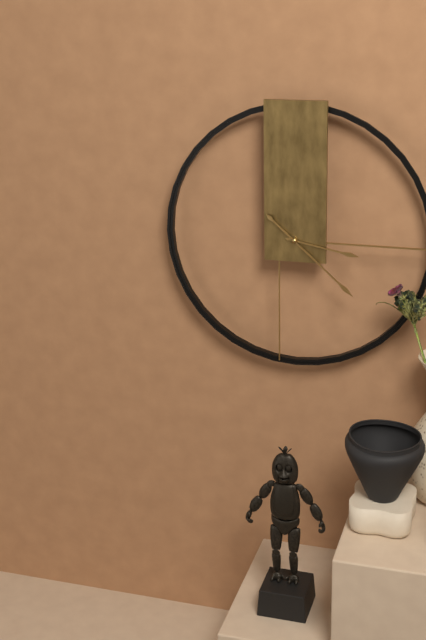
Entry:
3:22
